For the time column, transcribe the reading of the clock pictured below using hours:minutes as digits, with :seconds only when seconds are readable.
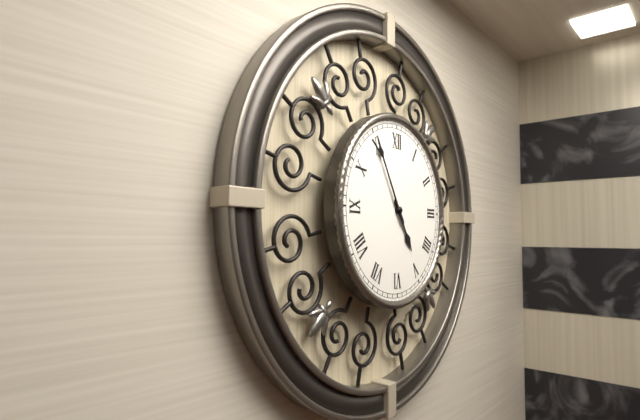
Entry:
4:55
